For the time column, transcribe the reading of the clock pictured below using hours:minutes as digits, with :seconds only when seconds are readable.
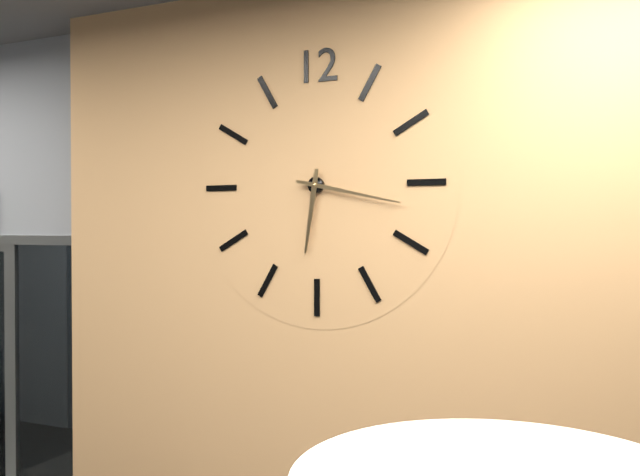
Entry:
6:17
